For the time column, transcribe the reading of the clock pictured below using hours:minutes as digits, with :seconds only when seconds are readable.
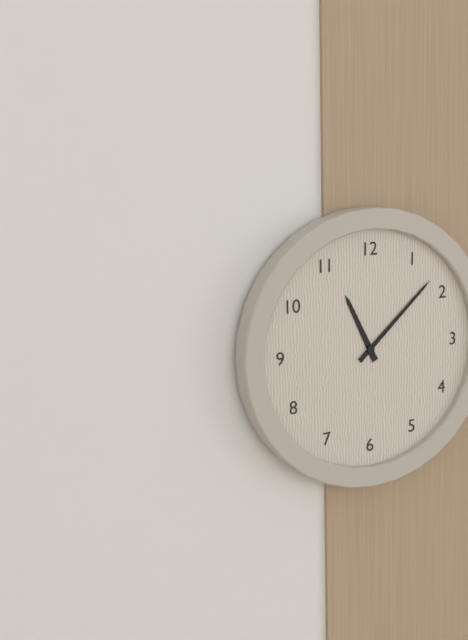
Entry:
11:08
